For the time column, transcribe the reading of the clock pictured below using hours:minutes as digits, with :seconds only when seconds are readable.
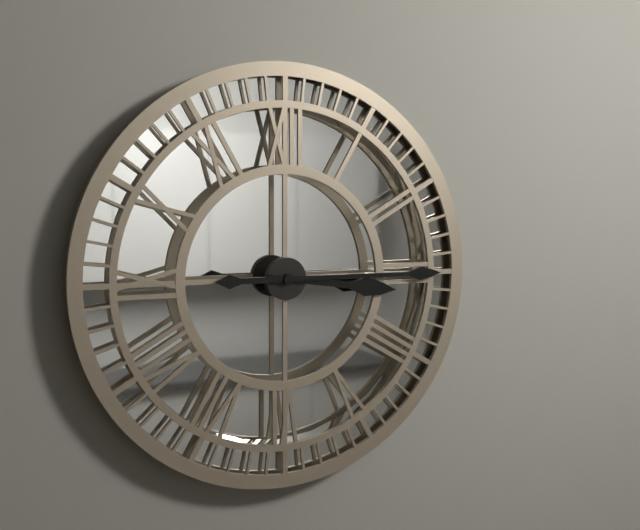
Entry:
3:15
